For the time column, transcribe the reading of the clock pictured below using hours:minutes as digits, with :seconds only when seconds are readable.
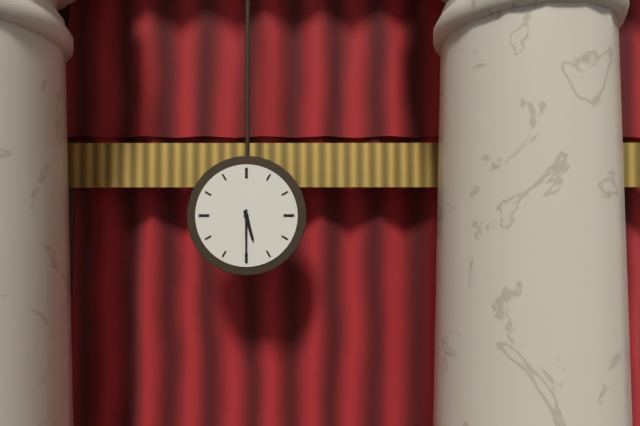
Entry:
5:30
